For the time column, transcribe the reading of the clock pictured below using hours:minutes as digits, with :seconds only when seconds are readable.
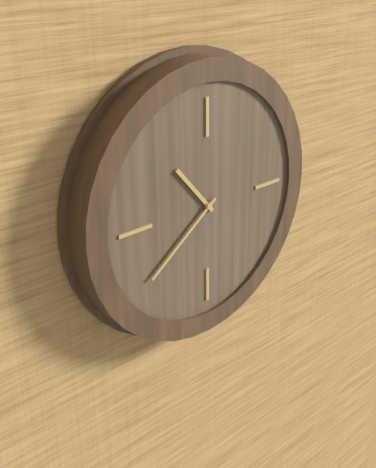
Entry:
10:39
